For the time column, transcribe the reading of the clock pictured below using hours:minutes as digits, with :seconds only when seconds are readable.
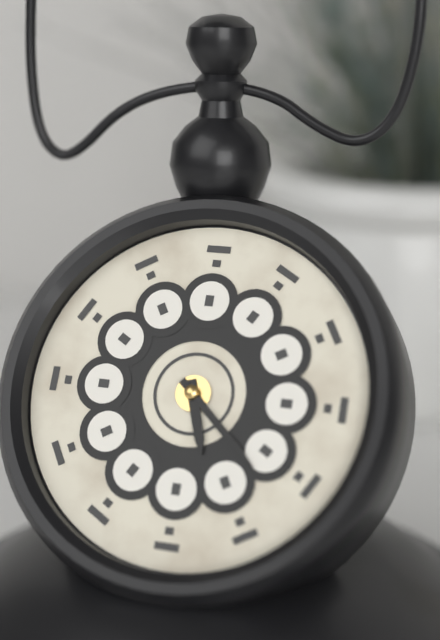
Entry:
5:22
